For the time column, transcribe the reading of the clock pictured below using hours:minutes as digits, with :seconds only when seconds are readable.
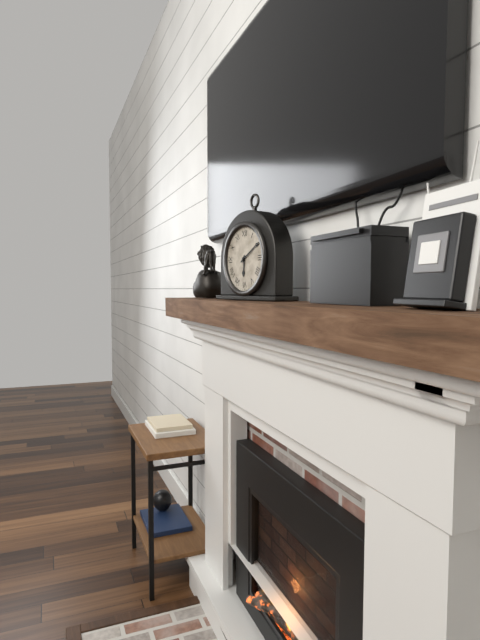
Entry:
6:10
